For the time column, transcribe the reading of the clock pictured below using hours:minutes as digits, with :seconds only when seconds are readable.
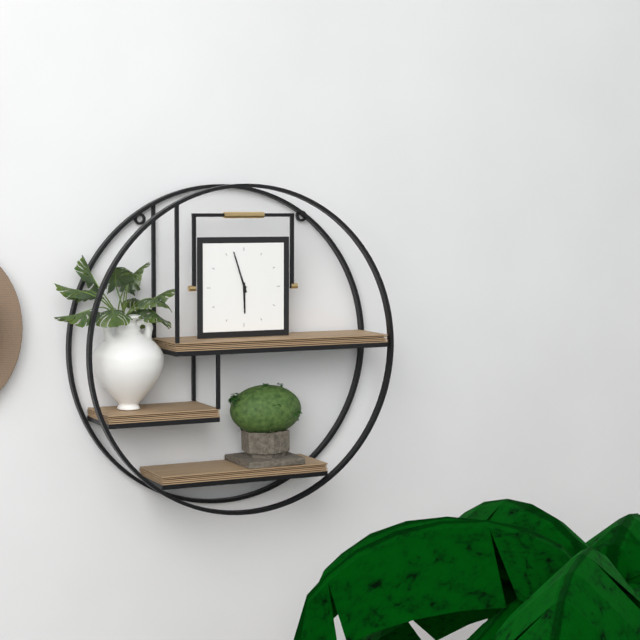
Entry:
5:57
